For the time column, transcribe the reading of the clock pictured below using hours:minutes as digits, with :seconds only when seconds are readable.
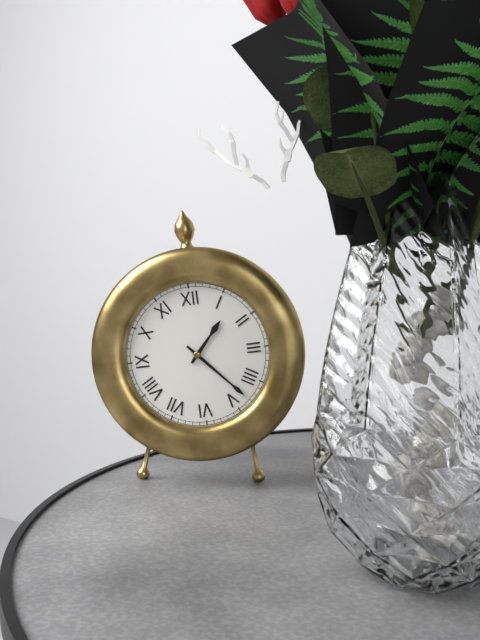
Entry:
1:23
